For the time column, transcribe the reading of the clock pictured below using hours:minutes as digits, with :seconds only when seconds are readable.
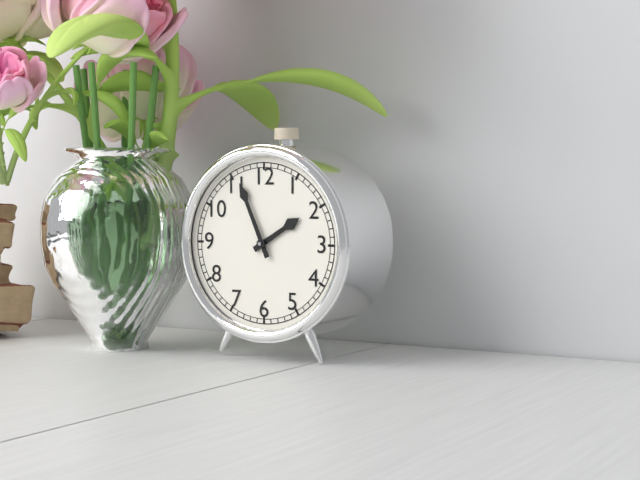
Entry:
1:56
